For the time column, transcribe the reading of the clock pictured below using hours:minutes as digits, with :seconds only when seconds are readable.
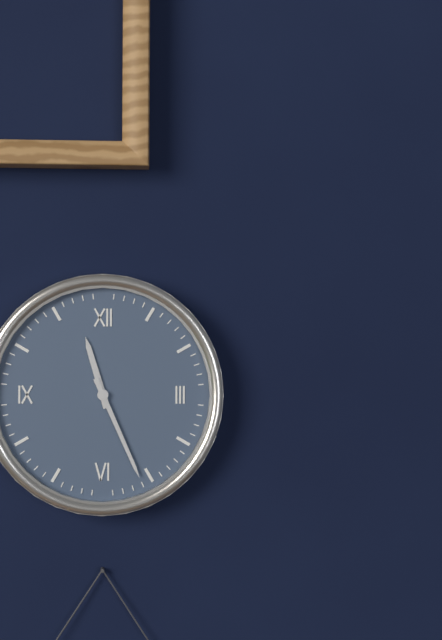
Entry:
11:26
